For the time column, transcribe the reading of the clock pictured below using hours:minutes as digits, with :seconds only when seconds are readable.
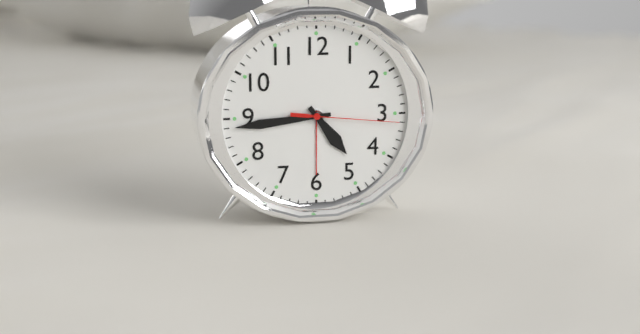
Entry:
4:44:16
